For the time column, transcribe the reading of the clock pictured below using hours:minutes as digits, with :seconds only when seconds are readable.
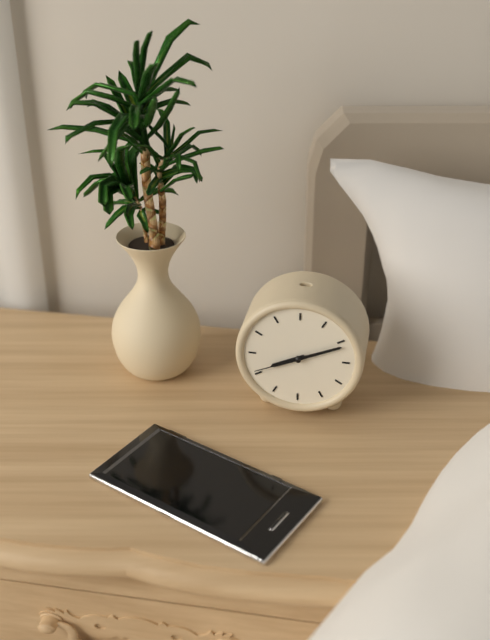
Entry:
8:11:41
